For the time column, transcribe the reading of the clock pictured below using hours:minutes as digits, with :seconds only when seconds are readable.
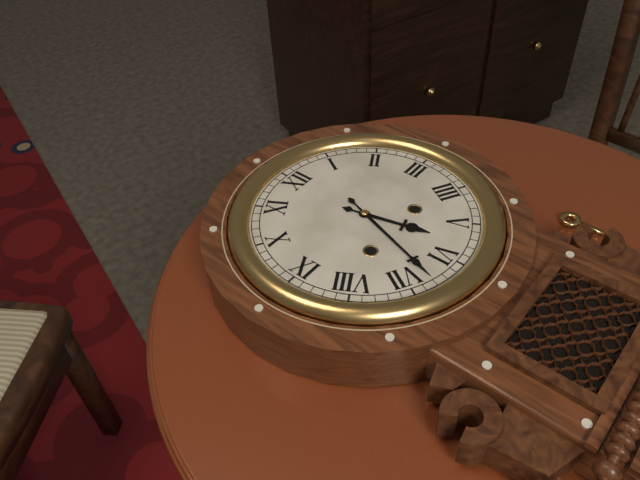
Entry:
5:33
